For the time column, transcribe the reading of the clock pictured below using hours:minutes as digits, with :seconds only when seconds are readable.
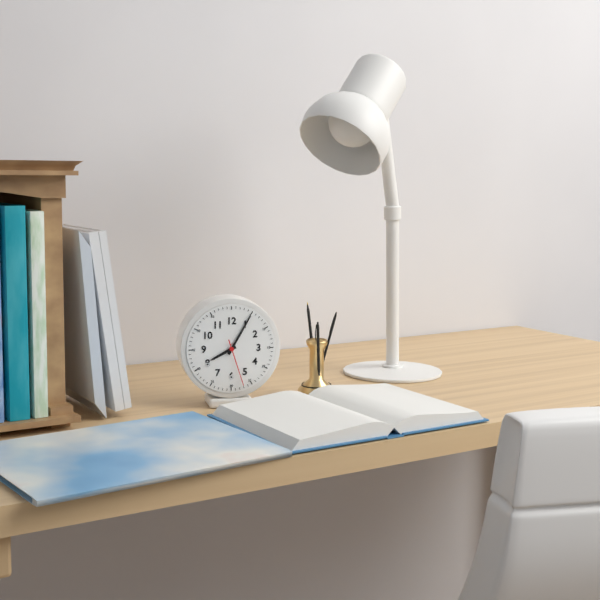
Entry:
8:05
